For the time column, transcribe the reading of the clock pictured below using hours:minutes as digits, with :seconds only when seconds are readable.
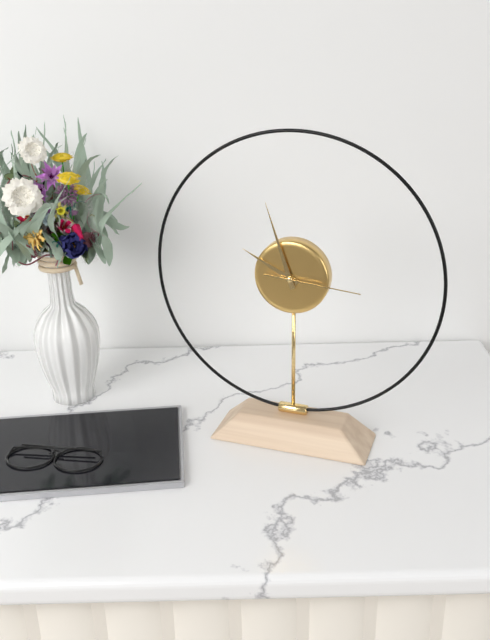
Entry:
9:57:16
